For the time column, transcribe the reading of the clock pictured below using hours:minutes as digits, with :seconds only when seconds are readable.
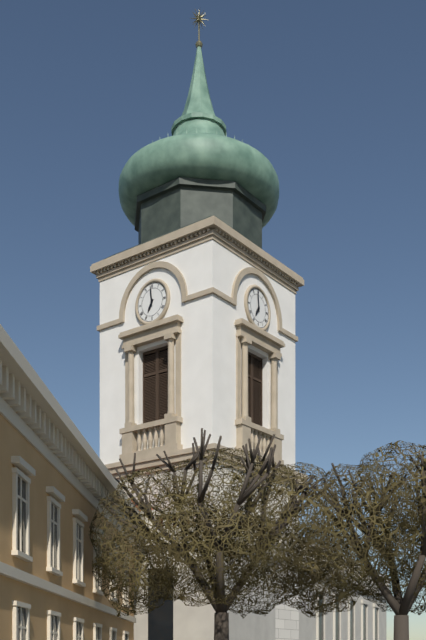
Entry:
6:59
